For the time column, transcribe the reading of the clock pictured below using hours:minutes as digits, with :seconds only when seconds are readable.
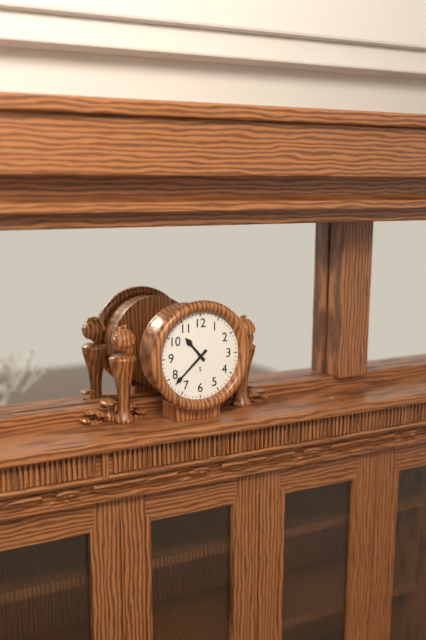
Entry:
10:38
